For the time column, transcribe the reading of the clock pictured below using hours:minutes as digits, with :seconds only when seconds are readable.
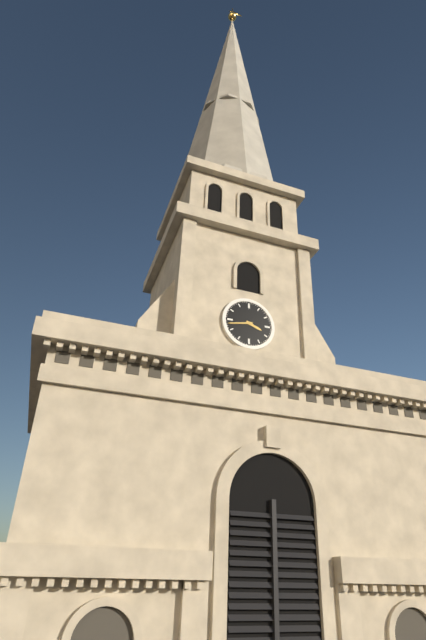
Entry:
3:43
